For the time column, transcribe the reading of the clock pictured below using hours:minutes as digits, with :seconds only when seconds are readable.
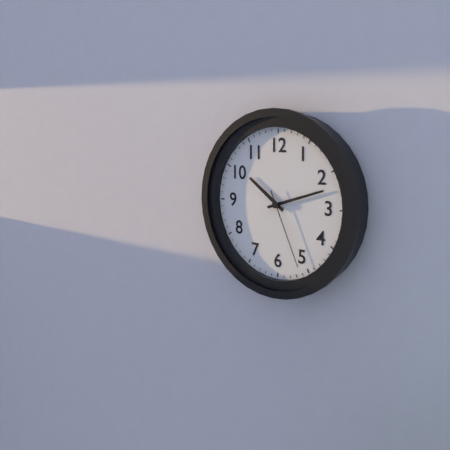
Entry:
10:12:26
